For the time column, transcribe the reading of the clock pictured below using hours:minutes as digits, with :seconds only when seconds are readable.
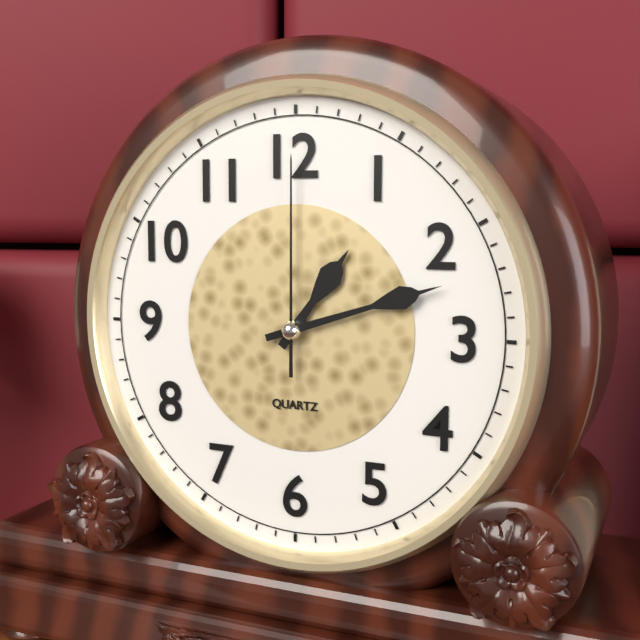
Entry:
1:12:00
